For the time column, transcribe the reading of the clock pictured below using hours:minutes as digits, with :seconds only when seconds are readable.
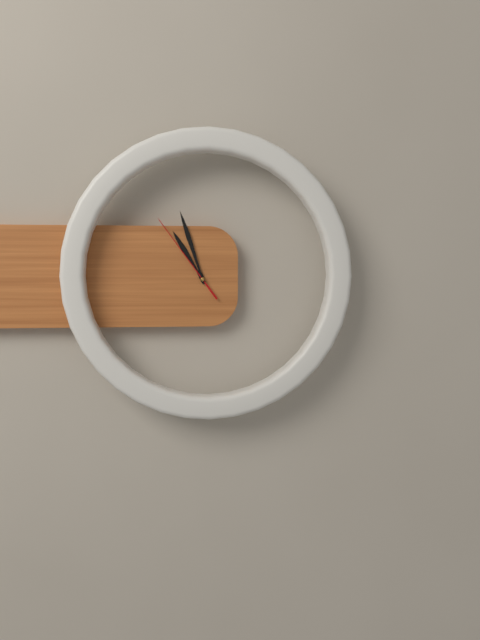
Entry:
10:57:54
